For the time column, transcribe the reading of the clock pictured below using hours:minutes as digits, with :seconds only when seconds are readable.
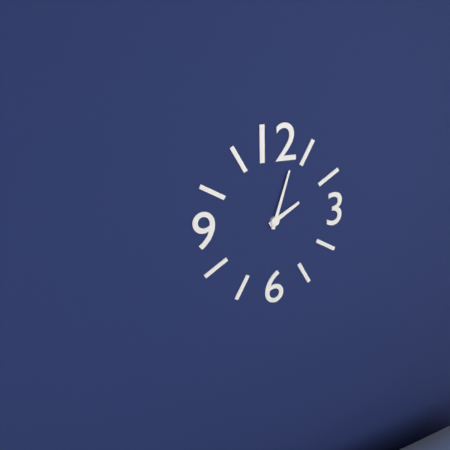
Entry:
2:03
